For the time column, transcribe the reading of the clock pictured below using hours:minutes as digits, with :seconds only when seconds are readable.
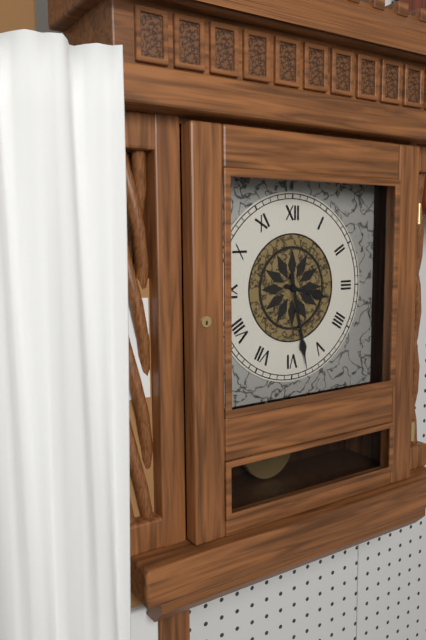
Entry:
3:28
